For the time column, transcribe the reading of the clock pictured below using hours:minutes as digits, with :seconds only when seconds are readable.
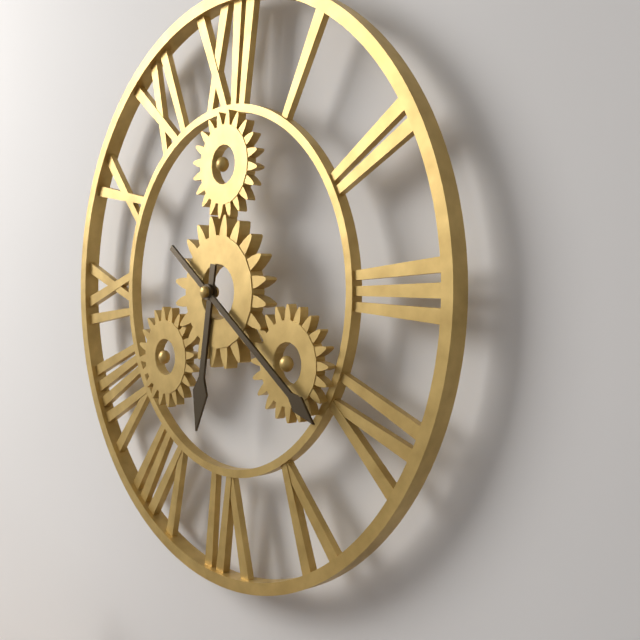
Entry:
6:21
